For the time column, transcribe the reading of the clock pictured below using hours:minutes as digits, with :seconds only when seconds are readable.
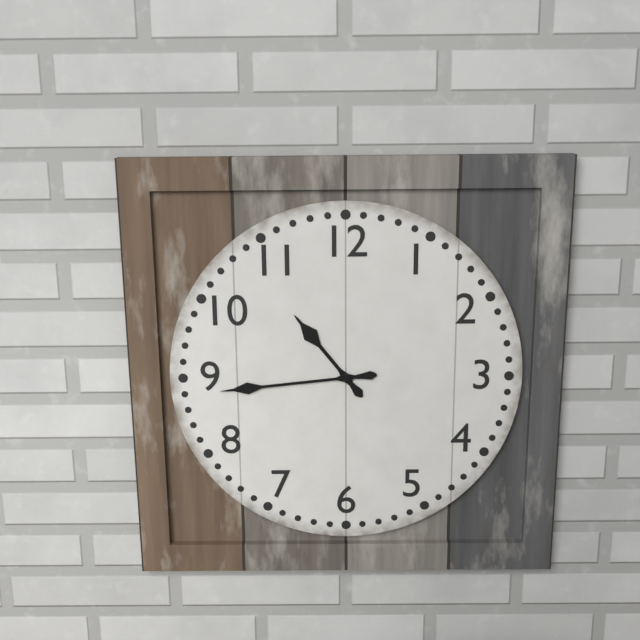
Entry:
10:44
